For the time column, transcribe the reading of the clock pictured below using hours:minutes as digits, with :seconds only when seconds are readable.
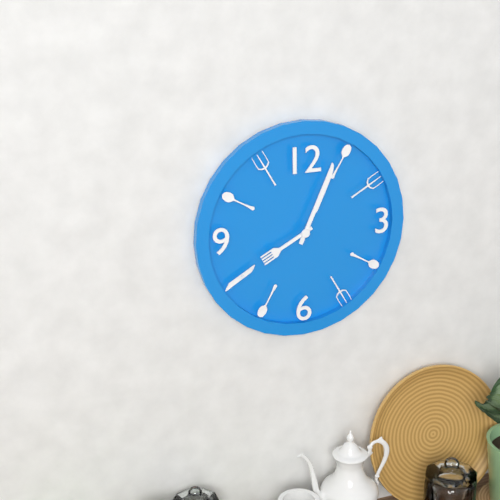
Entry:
8:04
